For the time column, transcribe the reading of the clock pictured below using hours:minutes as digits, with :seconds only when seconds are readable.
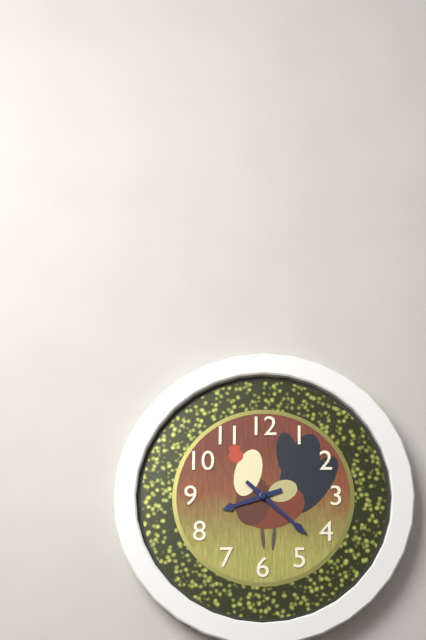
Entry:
8:22
